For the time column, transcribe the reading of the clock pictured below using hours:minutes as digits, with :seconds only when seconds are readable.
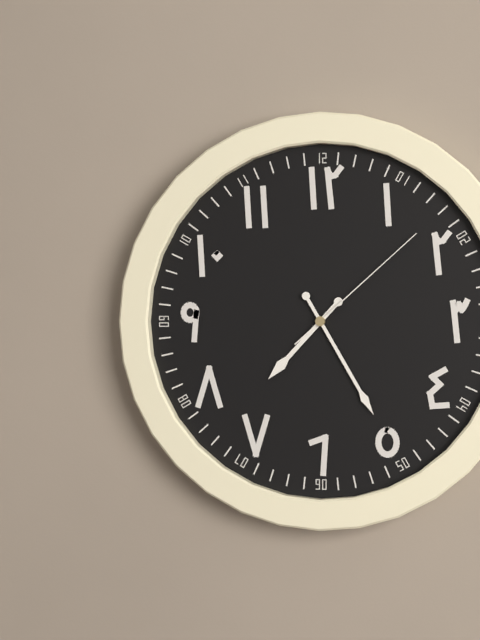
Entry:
7:25:08
